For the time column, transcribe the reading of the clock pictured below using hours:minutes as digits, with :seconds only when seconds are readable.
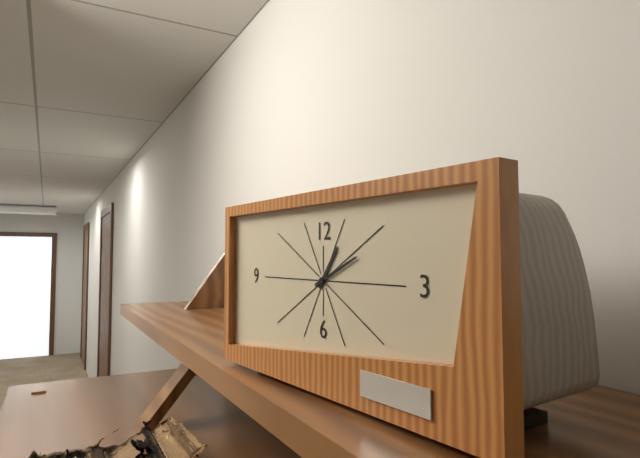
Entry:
1:11
